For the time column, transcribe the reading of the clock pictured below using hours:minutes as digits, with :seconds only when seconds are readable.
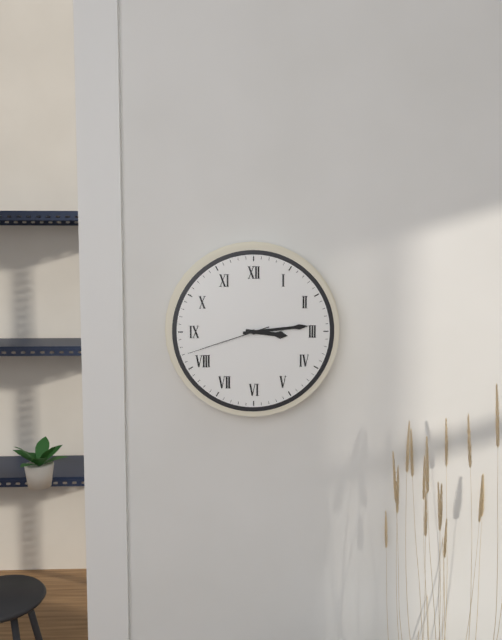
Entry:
3:14:42
